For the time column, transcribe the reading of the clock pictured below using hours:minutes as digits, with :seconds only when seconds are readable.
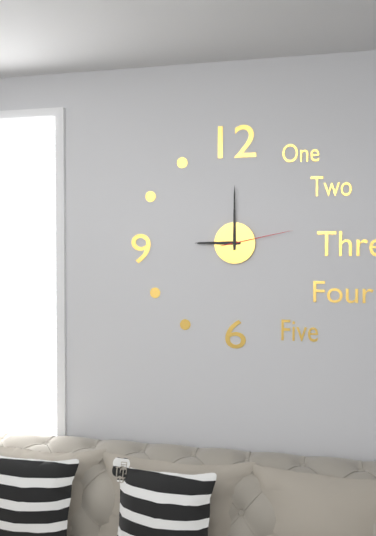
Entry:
9:00:13
